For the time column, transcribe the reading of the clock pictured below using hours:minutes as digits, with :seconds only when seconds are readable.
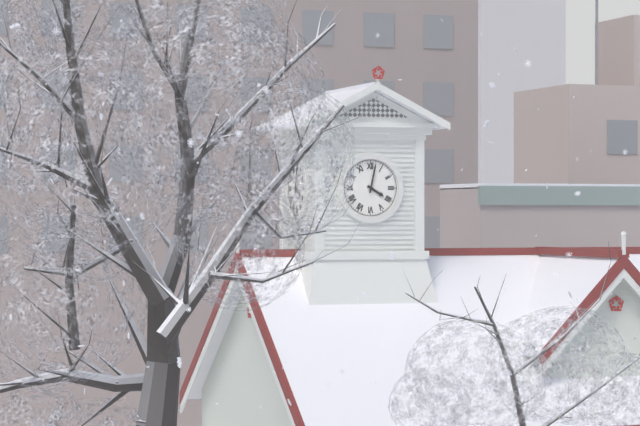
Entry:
4:02
